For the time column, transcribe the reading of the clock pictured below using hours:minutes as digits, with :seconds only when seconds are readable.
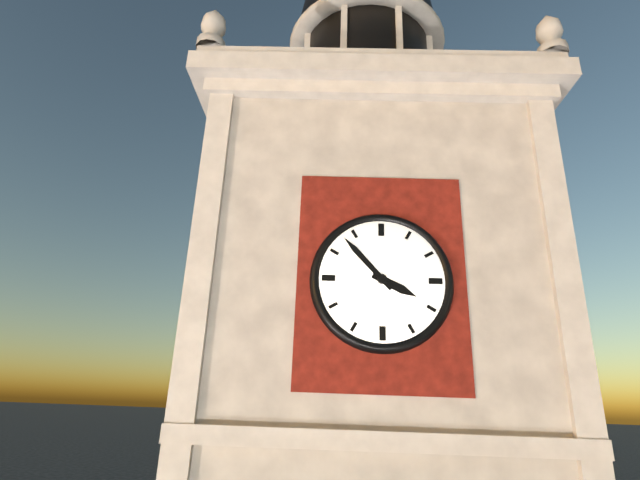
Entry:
3:53
